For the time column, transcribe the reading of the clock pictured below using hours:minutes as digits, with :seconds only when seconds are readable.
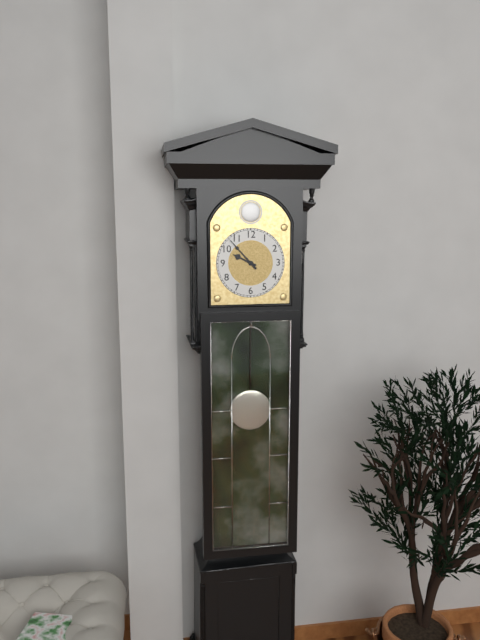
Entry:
9:53
